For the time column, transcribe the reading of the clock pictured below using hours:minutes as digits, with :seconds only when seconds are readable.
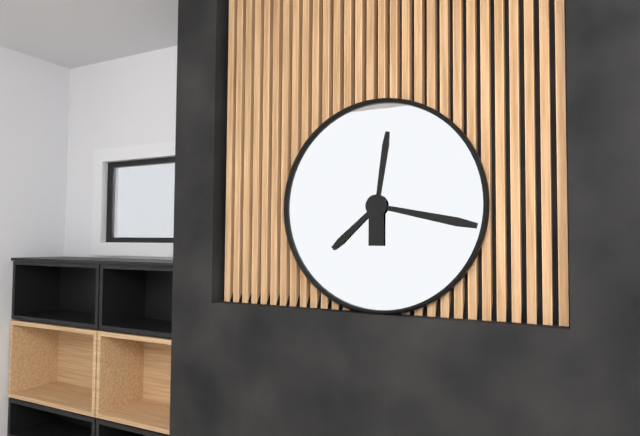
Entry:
12:17:38
